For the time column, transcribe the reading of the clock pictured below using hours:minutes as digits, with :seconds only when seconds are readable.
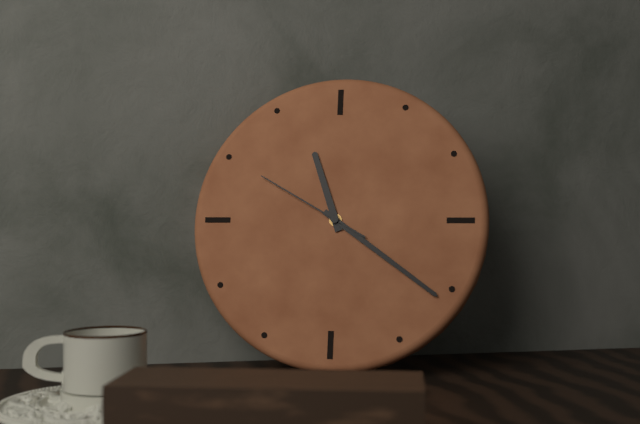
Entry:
11:21:50
